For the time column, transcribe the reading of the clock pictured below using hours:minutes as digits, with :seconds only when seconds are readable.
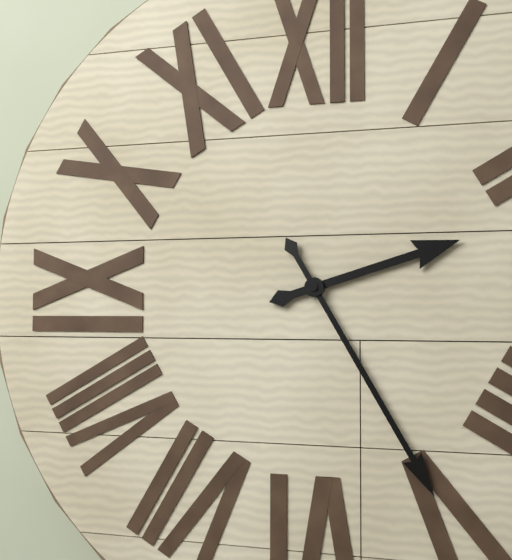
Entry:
2:25
